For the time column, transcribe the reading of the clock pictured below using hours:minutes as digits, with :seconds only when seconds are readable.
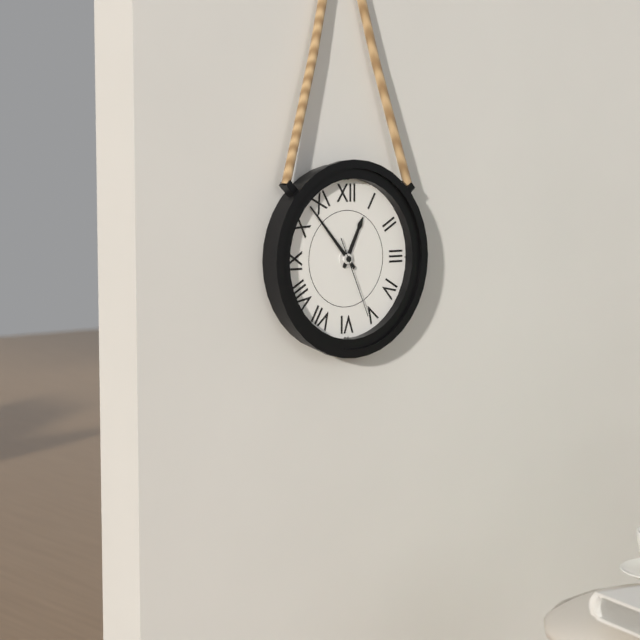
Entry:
12:53:26
